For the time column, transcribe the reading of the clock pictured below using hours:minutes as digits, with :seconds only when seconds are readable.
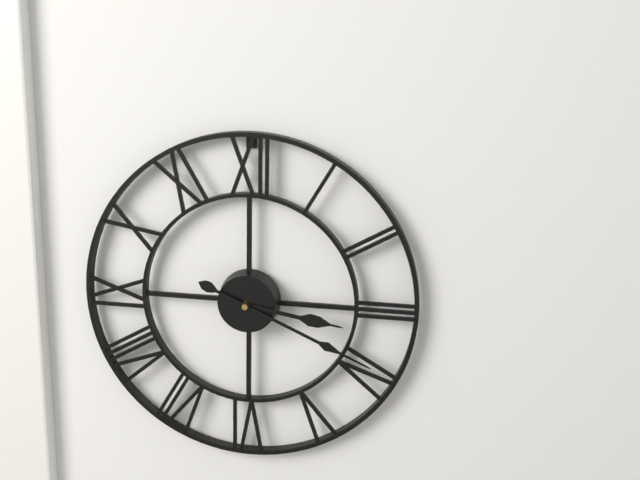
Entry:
3:19
